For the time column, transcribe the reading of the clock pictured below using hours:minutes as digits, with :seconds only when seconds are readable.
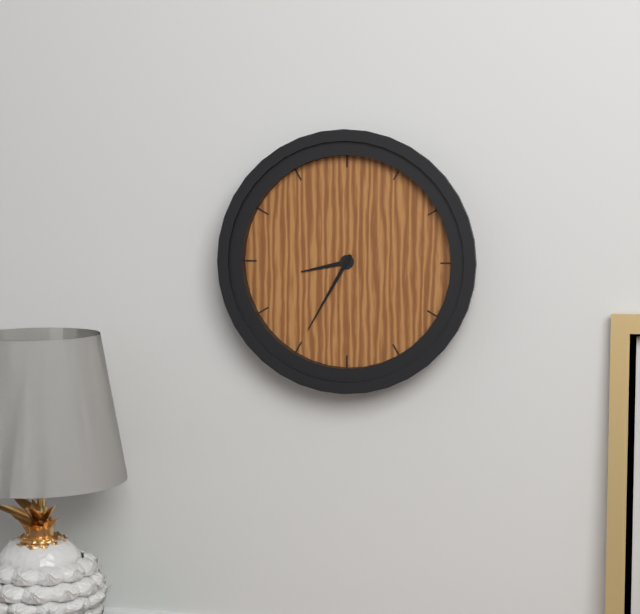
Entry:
8:35
